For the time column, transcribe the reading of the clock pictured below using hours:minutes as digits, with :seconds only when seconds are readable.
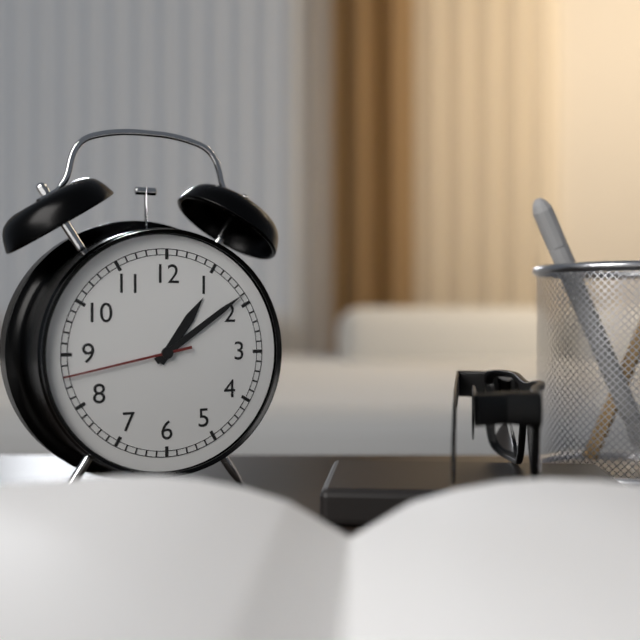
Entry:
1:09:43
